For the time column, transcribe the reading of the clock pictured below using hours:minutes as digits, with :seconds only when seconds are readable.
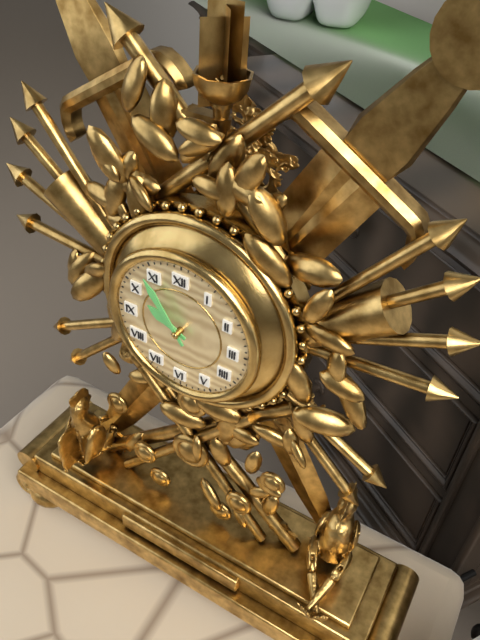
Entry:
9:54
